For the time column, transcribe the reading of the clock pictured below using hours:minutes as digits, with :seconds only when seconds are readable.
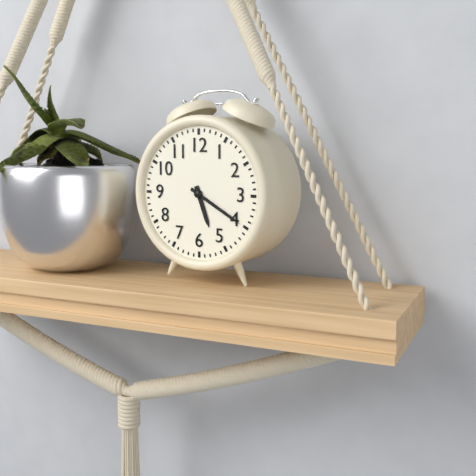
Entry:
5:20
